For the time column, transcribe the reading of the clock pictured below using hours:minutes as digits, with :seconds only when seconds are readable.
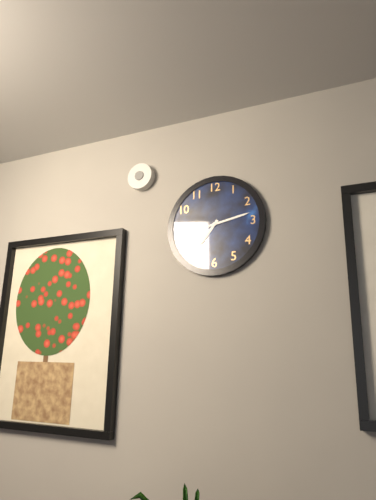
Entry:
7:13
